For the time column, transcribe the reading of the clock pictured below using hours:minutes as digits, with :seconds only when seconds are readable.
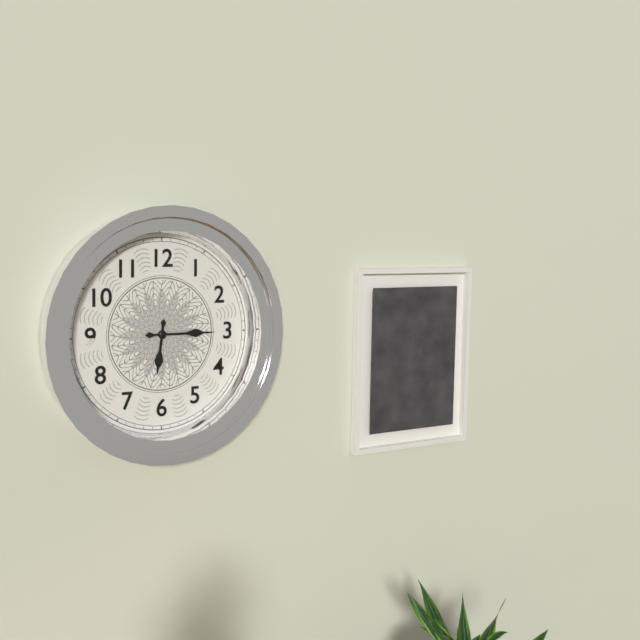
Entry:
6:15
